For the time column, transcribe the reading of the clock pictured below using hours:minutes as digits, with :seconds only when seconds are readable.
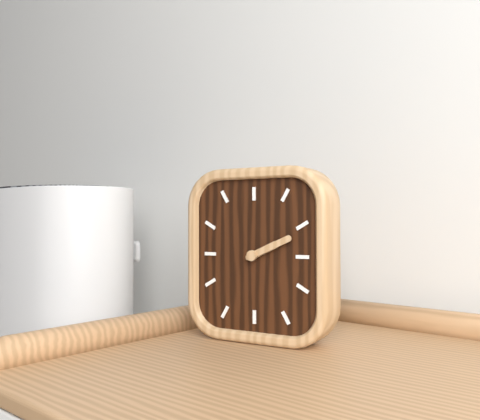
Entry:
2:11
